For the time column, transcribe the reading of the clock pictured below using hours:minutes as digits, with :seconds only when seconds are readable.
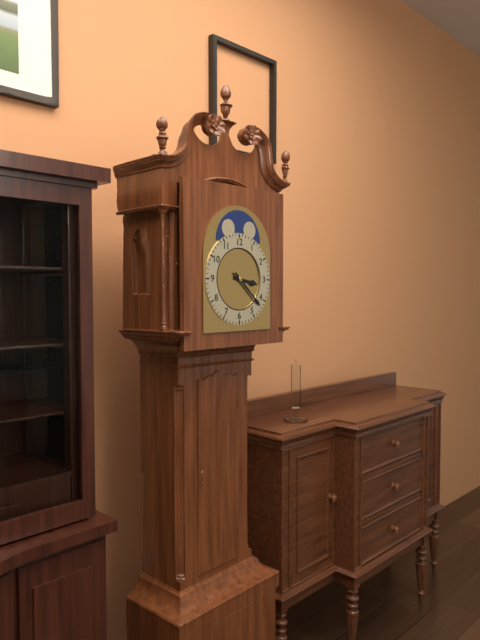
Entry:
3:22
